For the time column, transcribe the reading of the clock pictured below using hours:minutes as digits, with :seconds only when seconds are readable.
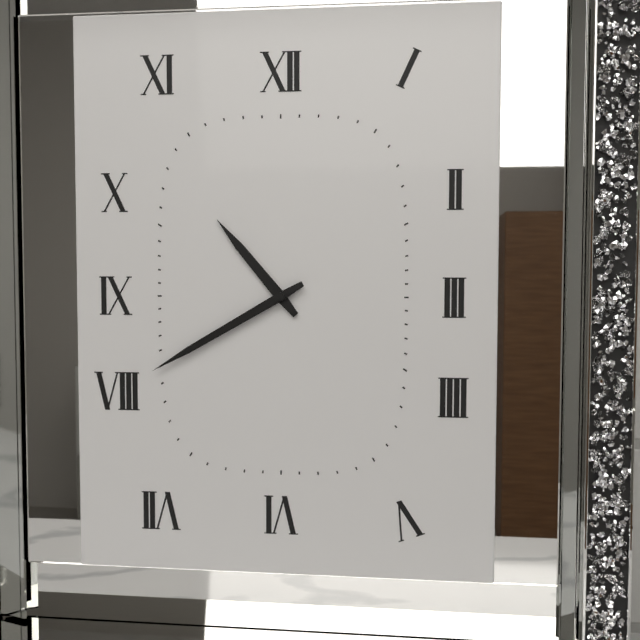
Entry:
10:40
